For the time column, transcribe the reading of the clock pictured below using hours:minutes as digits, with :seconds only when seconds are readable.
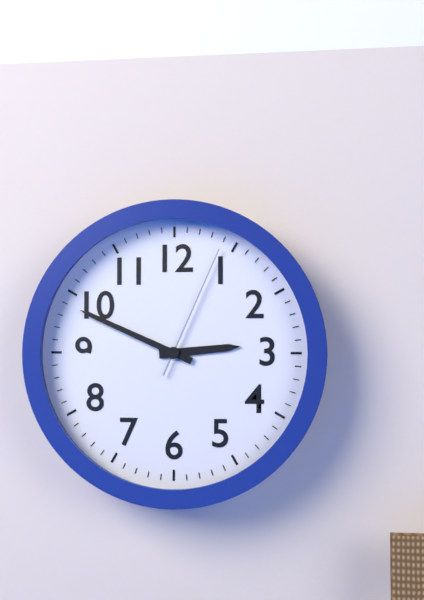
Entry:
2:49:04
